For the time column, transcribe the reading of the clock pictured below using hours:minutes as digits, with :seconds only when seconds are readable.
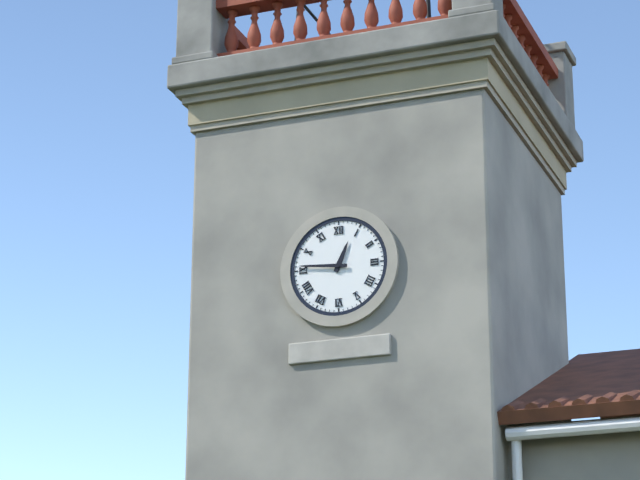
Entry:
12:46
